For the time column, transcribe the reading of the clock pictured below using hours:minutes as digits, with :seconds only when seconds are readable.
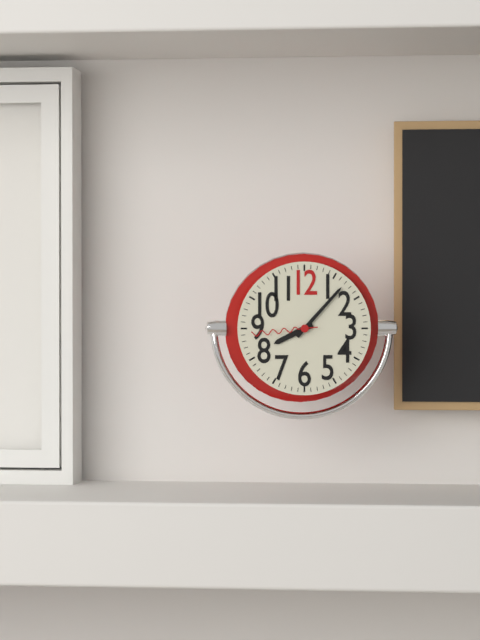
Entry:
8:07:44
